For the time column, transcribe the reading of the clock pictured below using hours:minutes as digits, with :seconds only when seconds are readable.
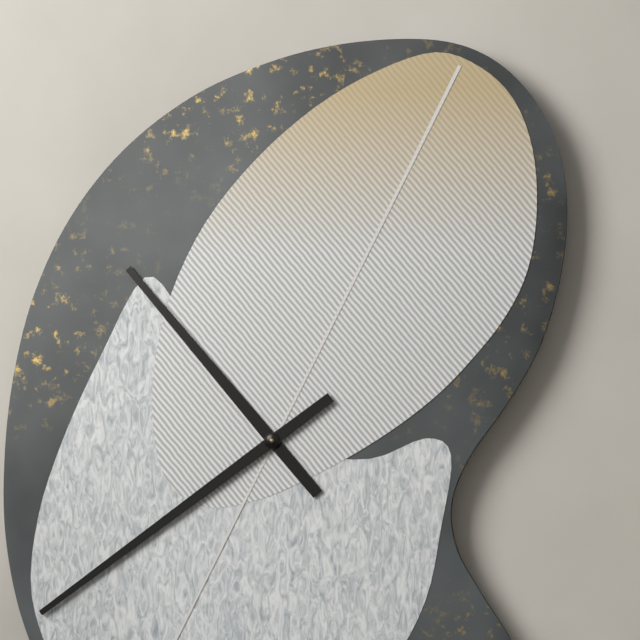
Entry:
10:39
